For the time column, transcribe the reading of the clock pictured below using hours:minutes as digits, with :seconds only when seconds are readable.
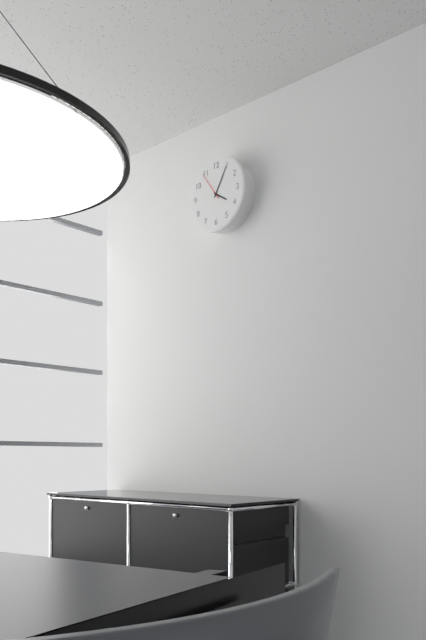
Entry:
4:05
